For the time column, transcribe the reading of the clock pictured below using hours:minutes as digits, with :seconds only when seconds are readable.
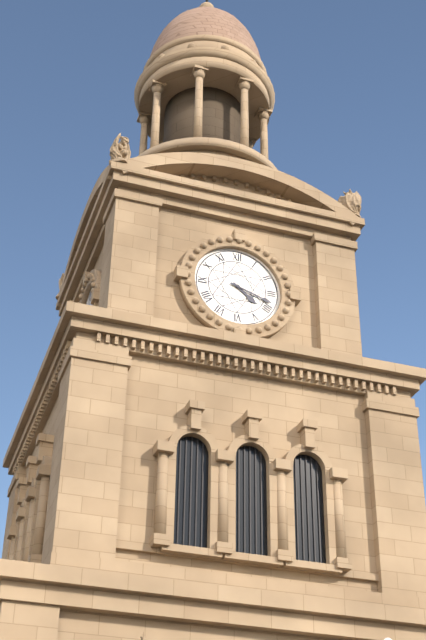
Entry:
4:18
